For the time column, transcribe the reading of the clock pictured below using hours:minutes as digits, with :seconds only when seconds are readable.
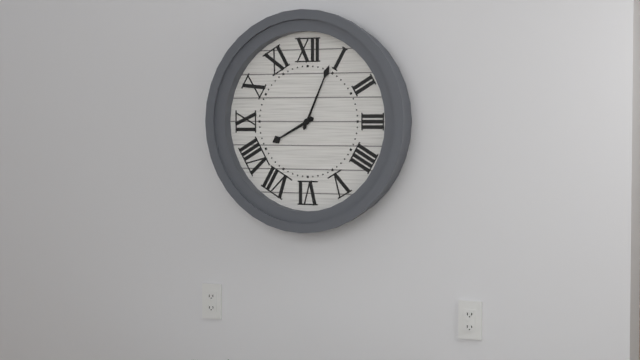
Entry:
8:04
